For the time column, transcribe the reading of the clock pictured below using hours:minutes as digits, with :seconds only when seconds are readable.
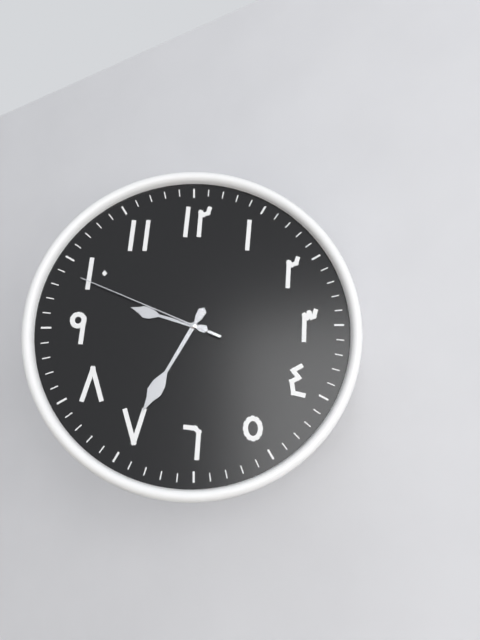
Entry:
9:35:49
